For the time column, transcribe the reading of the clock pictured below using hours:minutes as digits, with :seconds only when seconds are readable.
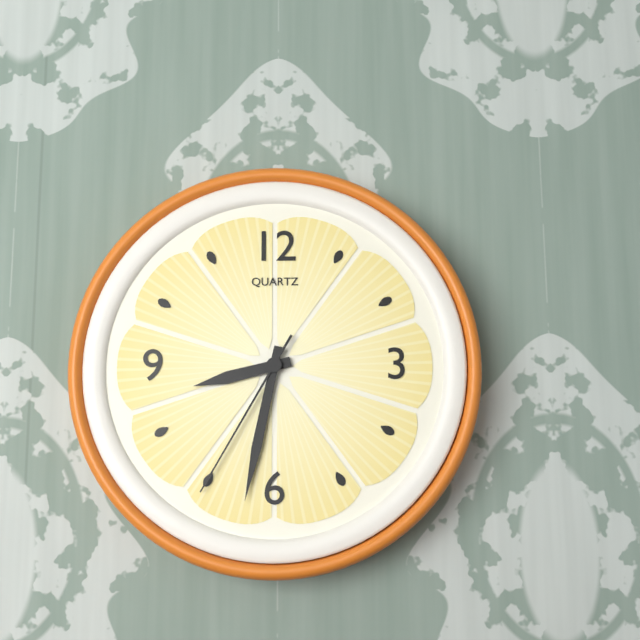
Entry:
8:32:35
